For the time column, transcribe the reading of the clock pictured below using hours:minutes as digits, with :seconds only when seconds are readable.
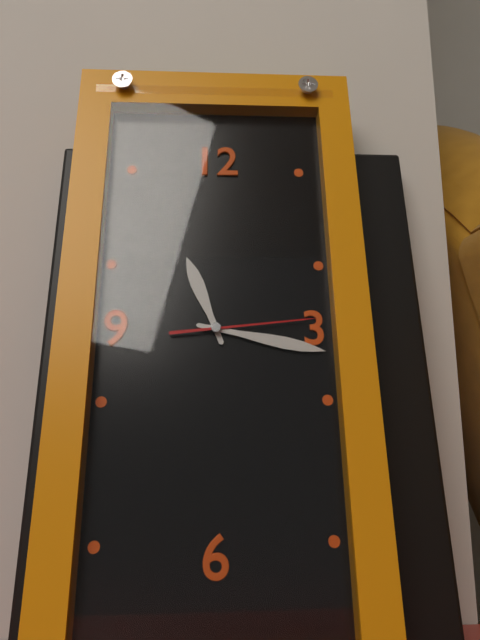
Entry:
11:17:14
